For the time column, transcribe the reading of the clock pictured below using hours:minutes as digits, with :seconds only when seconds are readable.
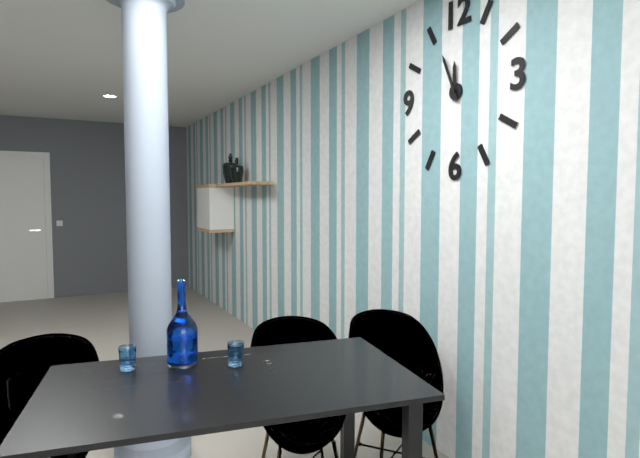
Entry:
11:56
